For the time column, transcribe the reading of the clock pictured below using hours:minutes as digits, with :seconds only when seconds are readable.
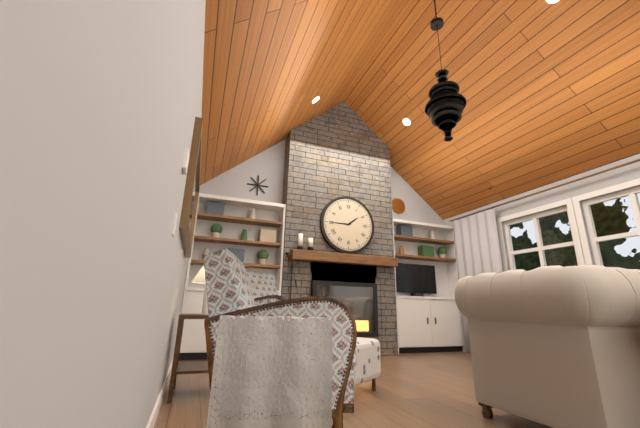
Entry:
1:45
